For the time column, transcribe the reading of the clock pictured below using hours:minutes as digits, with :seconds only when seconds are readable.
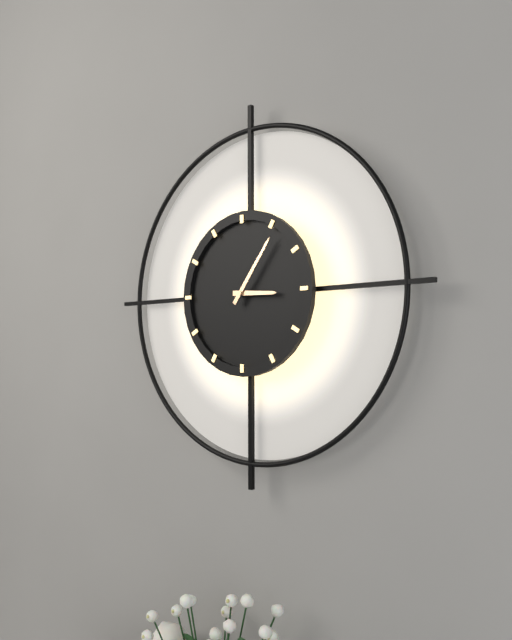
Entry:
3:06
